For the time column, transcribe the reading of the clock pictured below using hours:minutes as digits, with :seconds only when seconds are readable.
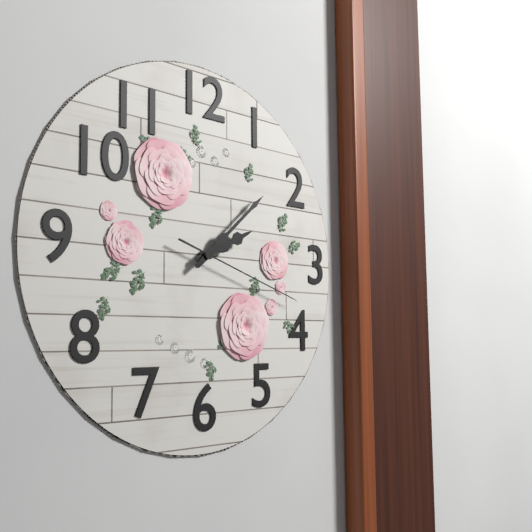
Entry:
2:08:18
